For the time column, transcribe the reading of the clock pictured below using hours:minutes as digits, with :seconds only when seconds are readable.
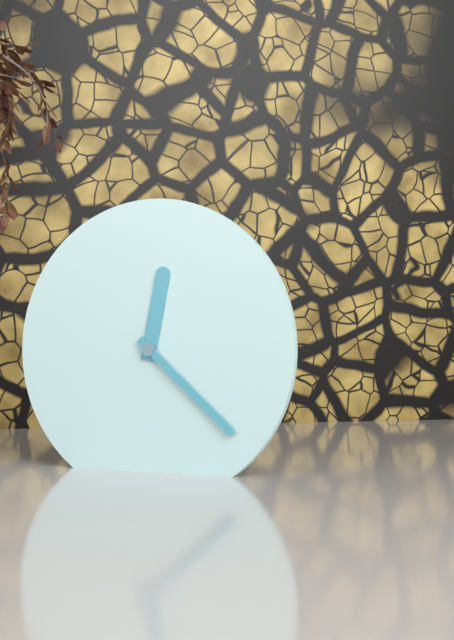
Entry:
12:22
